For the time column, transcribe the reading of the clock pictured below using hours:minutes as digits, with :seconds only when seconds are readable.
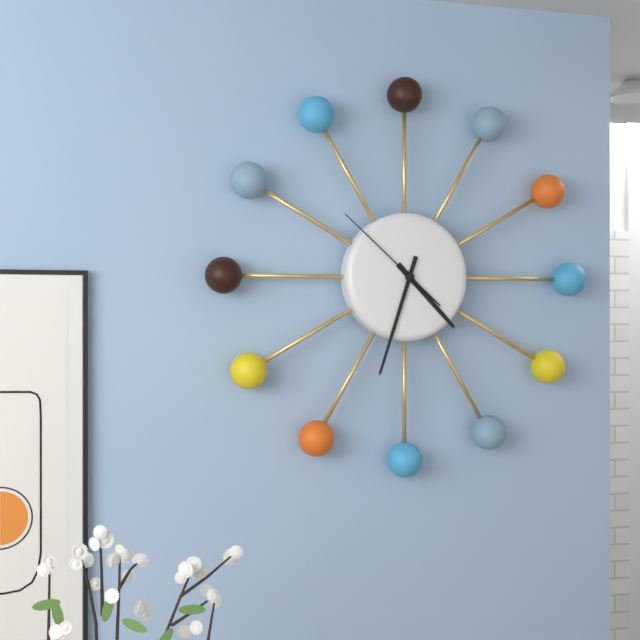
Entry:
4:33:52
